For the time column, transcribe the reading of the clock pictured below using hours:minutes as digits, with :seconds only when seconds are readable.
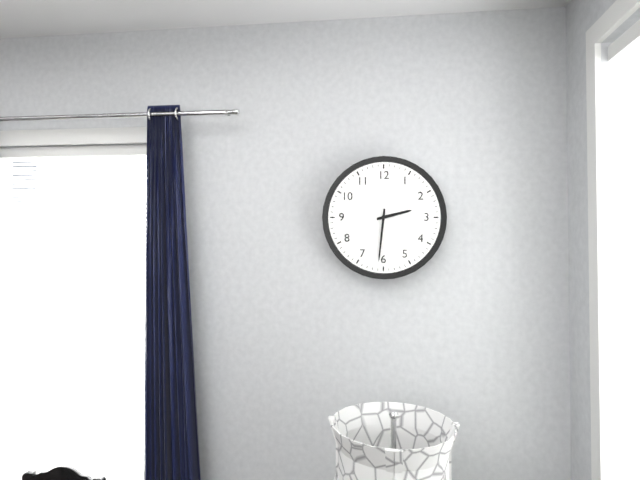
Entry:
2:31
